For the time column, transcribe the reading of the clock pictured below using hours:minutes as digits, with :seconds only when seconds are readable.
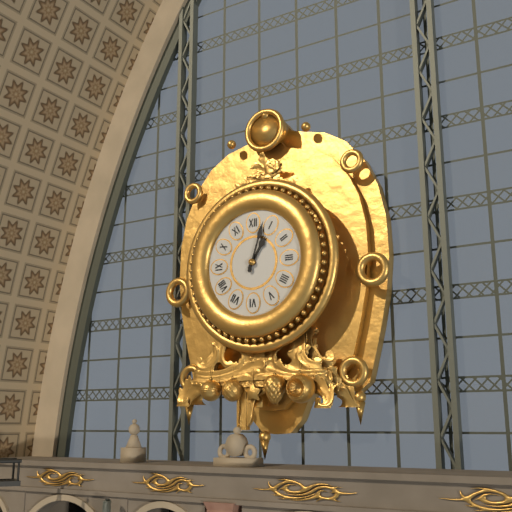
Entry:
1:03
